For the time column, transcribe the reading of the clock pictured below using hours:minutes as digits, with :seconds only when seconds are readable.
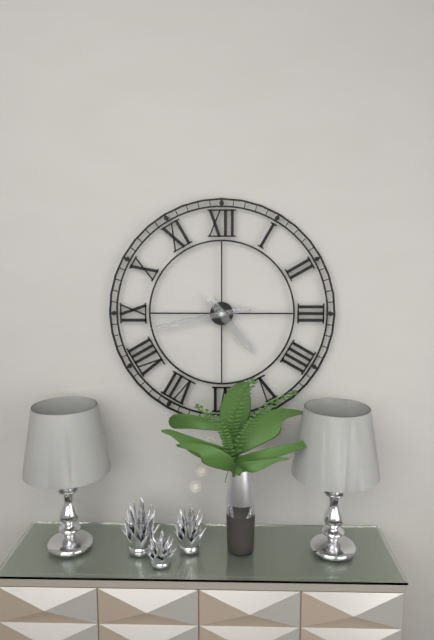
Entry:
4:43
